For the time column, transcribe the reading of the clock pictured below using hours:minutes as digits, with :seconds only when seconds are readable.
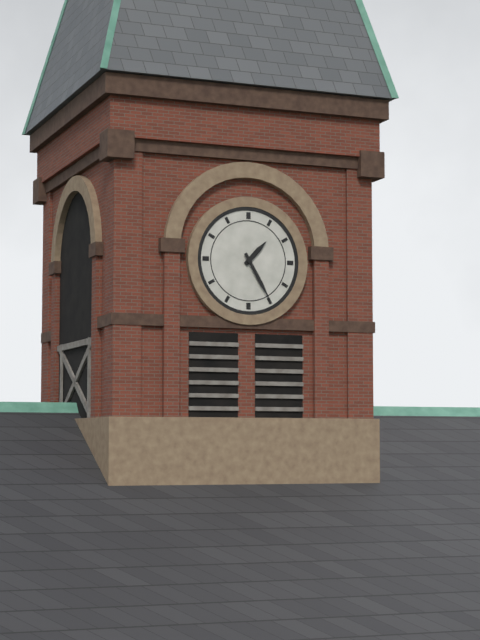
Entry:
1:25
